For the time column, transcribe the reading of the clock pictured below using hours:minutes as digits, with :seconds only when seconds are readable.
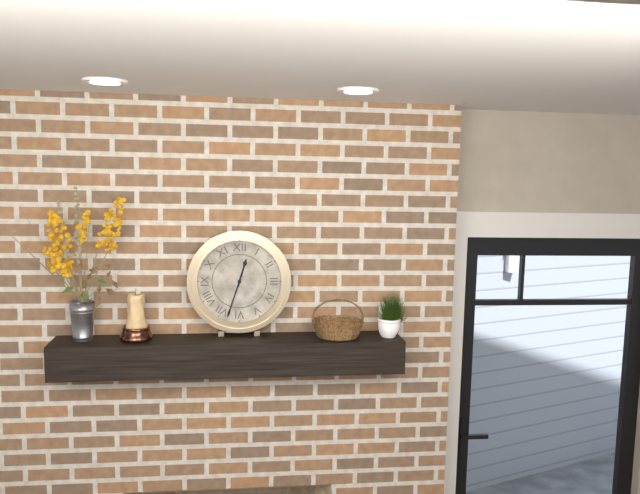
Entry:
12:33
